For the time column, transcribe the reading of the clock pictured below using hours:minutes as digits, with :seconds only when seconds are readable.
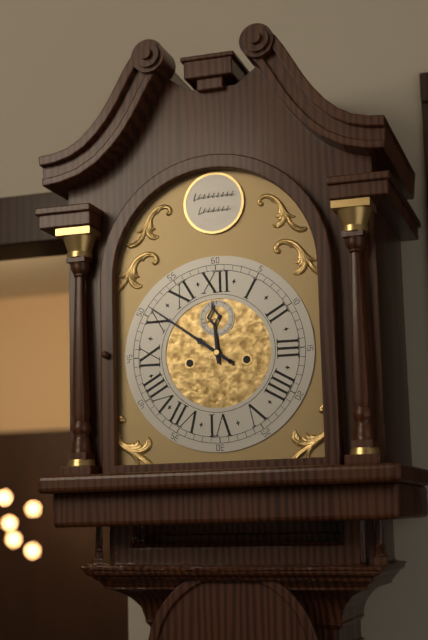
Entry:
11:51:42
